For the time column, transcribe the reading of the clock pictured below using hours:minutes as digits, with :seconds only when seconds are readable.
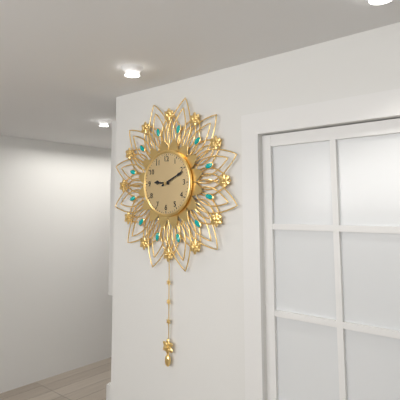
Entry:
9:11
